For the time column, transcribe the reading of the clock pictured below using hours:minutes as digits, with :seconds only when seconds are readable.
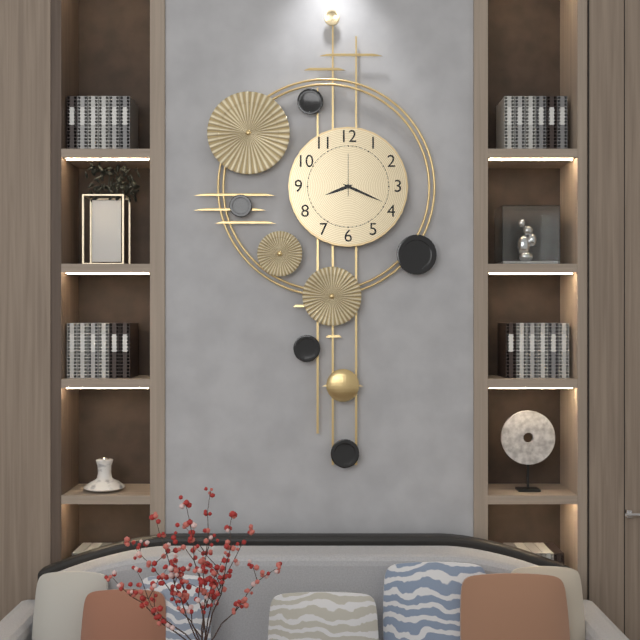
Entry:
8:19
